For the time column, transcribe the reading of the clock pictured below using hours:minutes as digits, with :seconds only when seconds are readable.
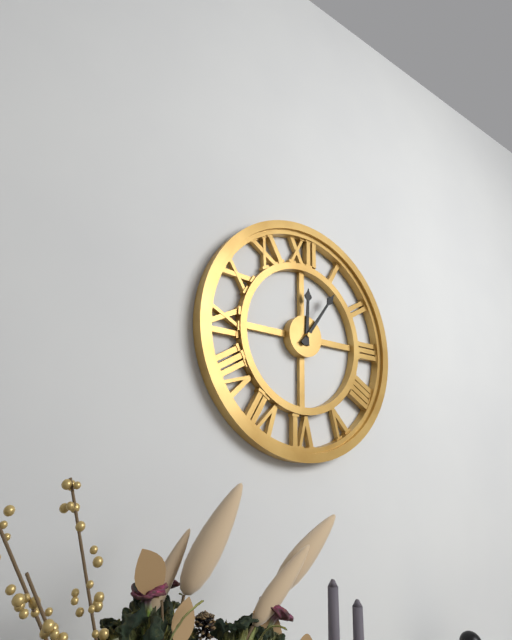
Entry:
12:06
